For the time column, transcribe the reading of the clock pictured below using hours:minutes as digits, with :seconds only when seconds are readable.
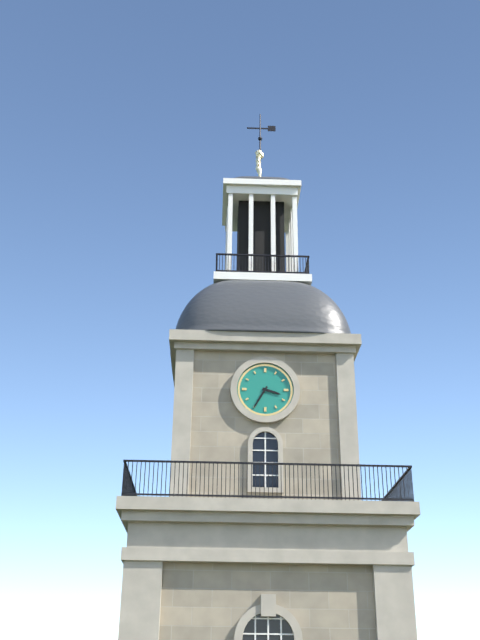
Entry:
3:35
